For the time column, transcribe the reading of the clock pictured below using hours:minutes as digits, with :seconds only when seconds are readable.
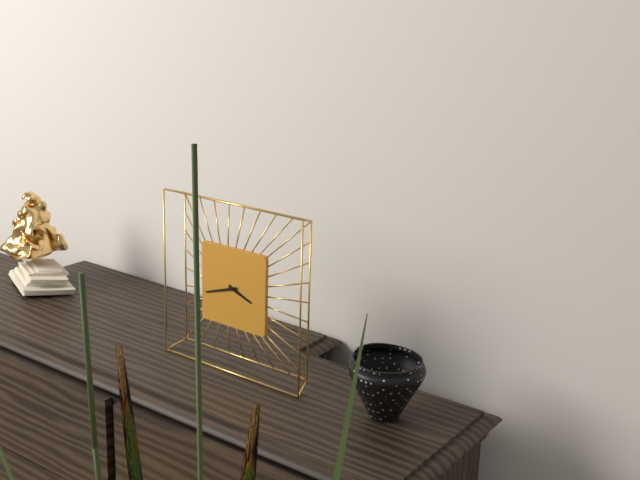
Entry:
3:42
